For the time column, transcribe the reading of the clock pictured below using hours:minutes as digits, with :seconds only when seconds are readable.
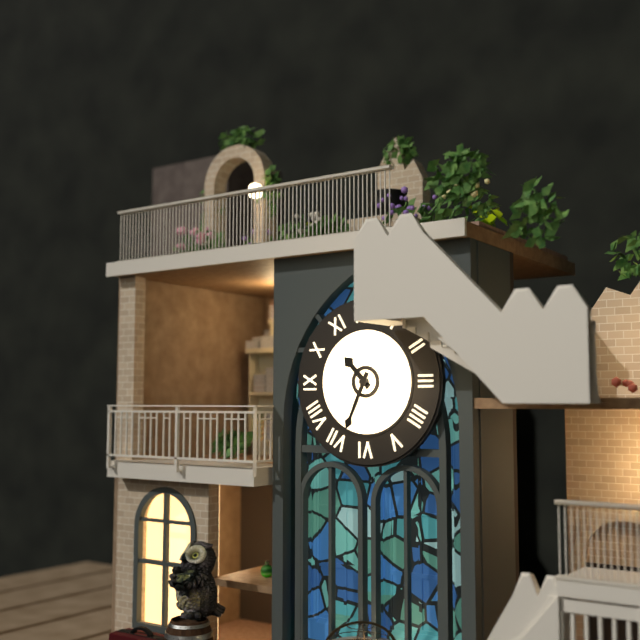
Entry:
10:34
